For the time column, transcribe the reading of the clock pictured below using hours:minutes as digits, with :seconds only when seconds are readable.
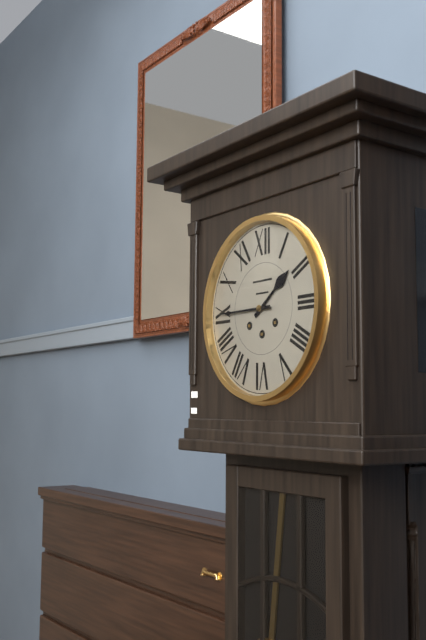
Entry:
1:45
